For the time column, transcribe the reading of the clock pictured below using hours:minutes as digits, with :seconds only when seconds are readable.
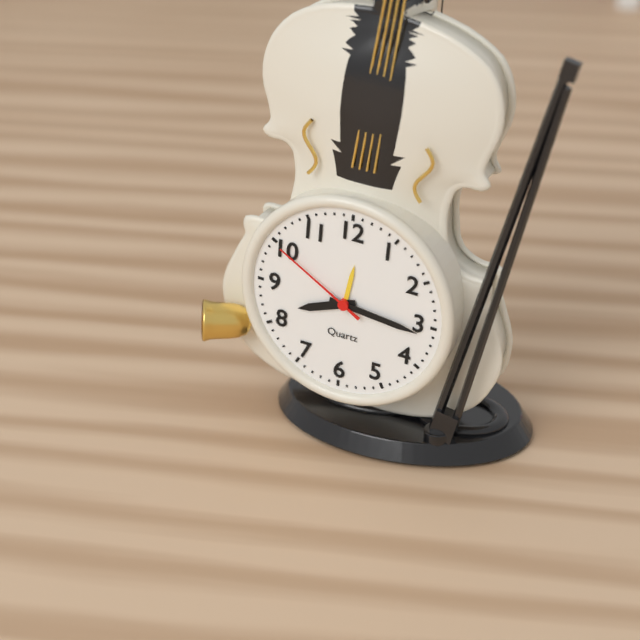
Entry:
8:16:50
